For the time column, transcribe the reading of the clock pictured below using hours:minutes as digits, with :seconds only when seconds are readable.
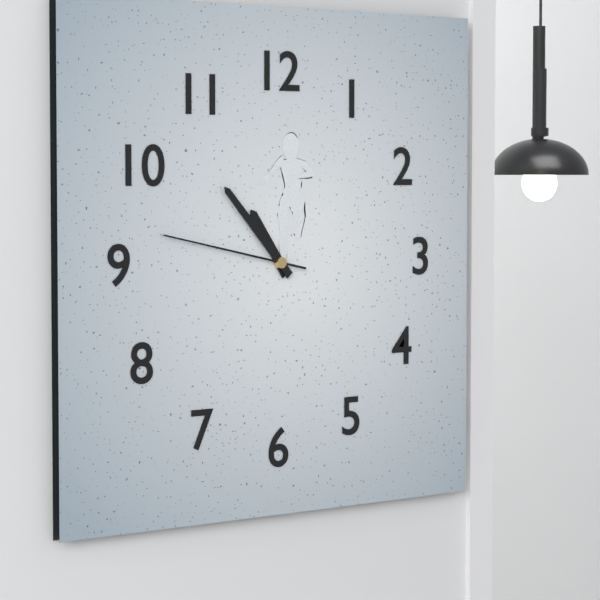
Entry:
10:53:47
